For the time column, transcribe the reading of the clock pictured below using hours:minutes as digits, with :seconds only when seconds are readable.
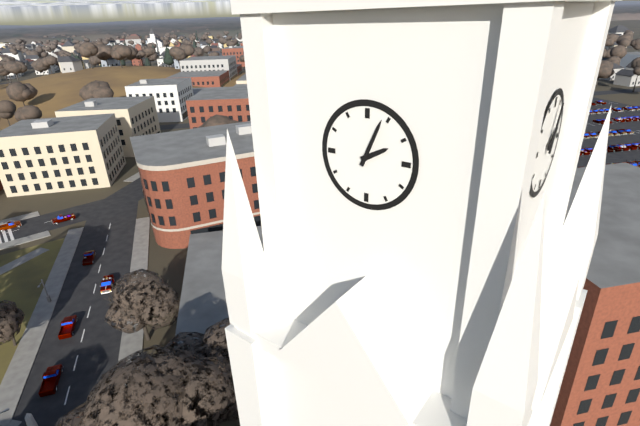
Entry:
2:04
